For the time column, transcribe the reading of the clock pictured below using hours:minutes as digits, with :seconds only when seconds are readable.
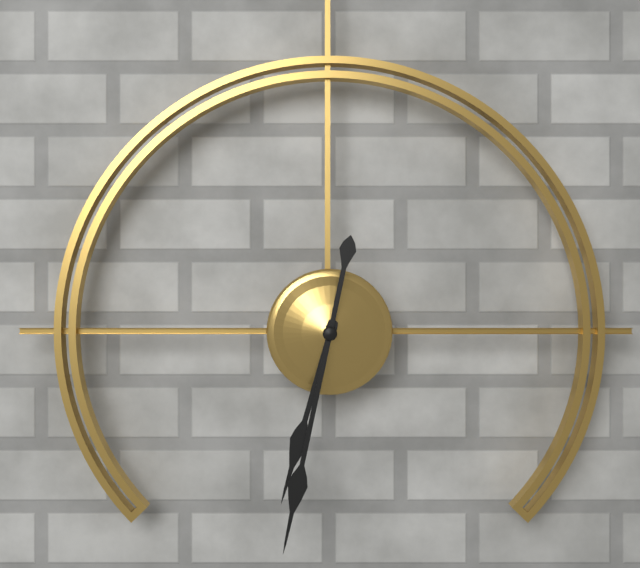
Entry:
6:32
